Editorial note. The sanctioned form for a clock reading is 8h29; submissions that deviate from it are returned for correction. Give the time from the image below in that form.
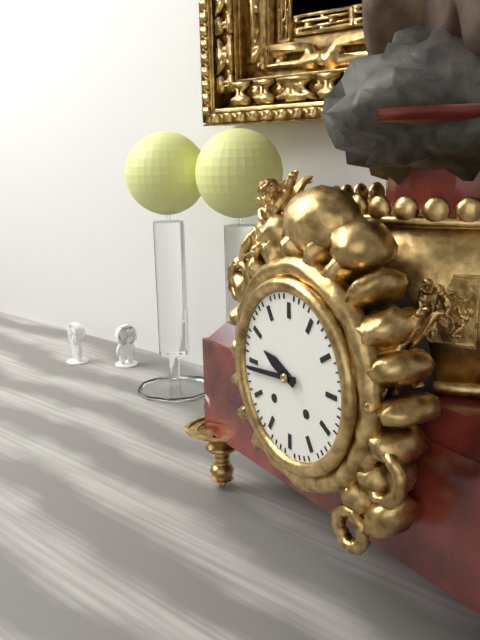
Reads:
9h44
